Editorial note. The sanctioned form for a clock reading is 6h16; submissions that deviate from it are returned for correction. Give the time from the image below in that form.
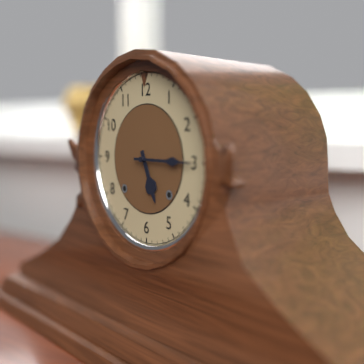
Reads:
5h15
